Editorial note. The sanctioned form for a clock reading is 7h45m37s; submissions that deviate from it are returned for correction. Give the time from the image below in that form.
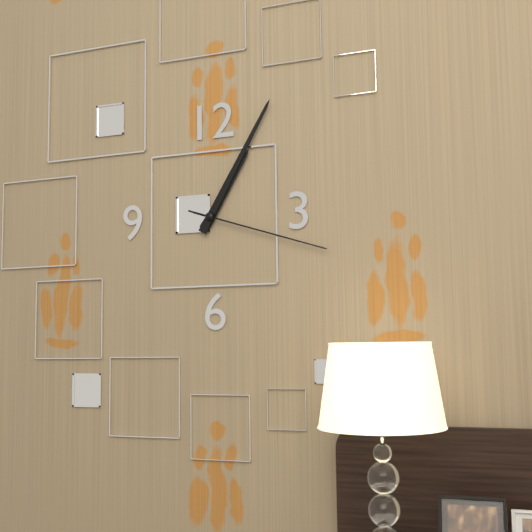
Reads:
1h05m18s
